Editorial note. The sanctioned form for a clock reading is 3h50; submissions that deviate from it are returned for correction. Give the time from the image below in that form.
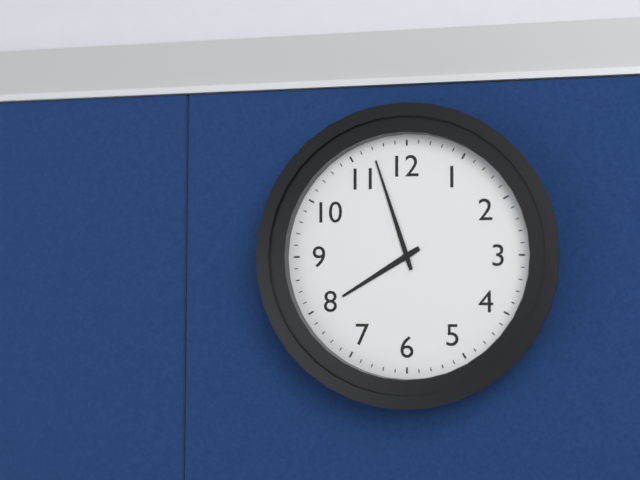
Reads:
7h57
